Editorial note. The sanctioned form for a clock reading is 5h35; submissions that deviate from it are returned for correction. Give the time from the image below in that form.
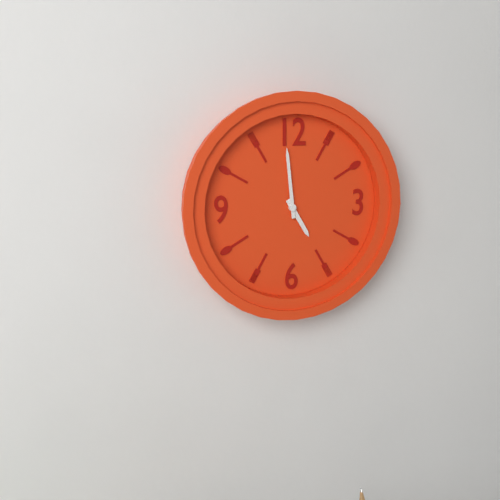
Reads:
4h59
